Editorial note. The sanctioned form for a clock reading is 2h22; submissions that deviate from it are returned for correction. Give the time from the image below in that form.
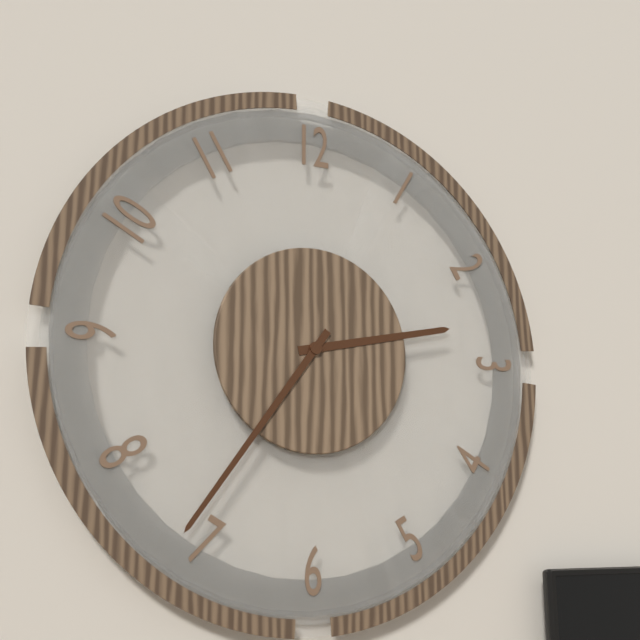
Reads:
2h36
